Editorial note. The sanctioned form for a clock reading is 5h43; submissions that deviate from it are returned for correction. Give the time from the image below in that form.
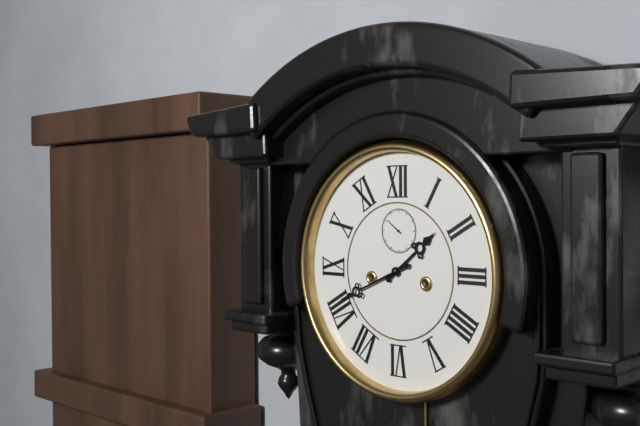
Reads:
1h41
